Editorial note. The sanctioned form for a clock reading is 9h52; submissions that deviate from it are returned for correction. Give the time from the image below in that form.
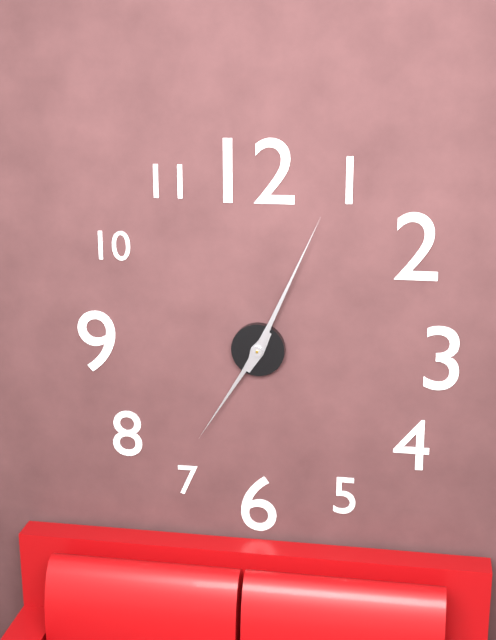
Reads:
7h04
